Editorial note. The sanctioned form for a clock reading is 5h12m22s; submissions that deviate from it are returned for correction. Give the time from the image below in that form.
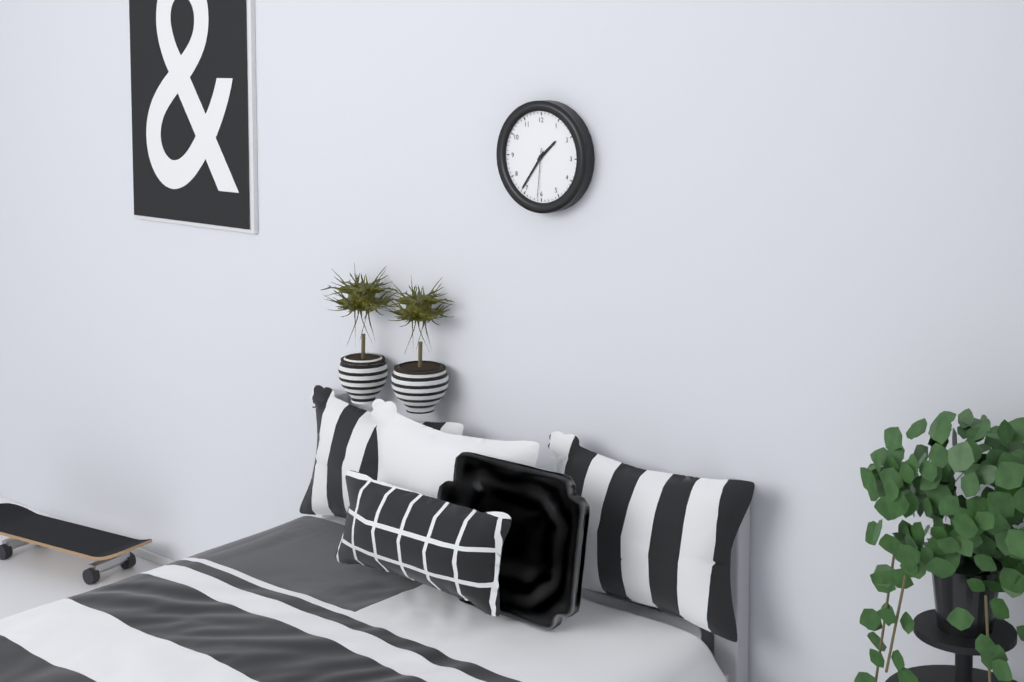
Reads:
1h36m31s
